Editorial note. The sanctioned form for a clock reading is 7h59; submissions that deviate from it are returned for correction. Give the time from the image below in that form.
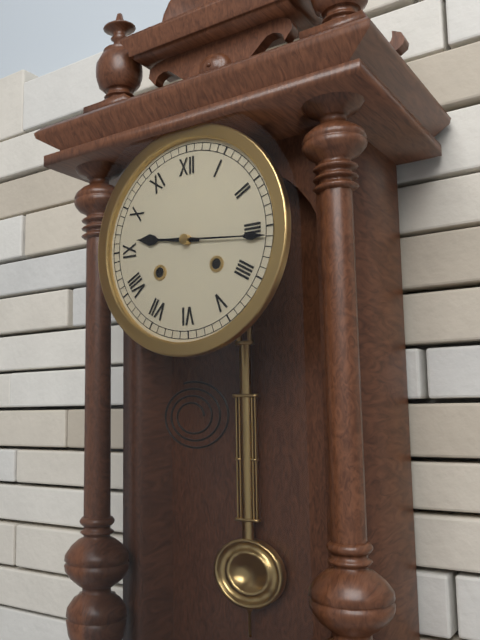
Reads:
9h16
